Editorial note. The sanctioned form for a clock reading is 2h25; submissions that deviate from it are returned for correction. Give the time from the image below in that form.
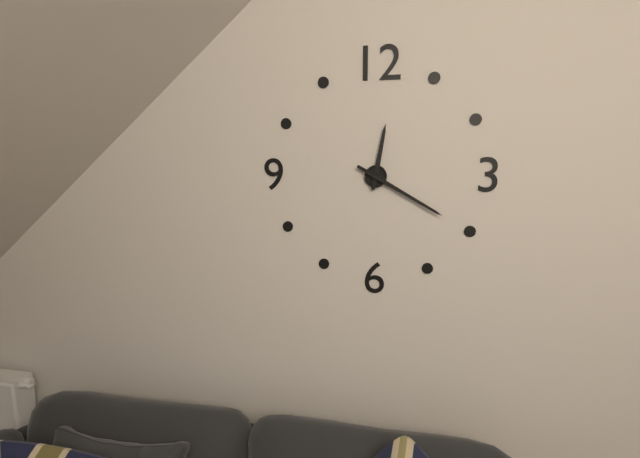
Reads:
12h20
